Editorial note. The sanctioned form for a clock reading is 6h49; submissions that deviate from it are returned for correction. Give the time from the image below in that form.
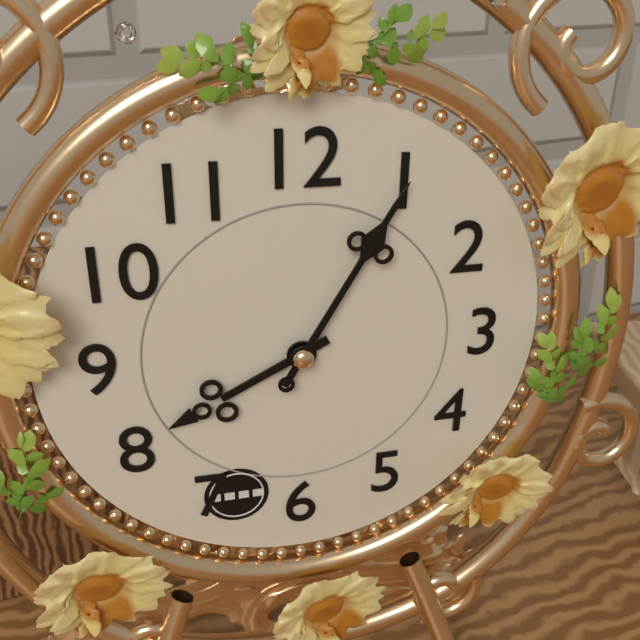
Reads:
8h05
